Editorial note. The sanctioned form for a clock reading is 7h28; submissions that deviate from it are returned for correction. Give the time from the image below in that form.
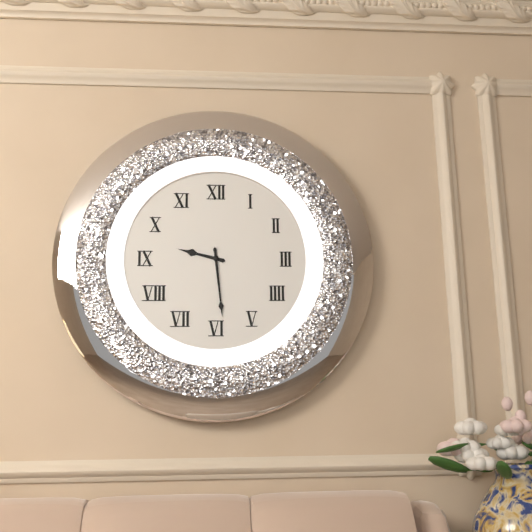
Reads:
9h29
